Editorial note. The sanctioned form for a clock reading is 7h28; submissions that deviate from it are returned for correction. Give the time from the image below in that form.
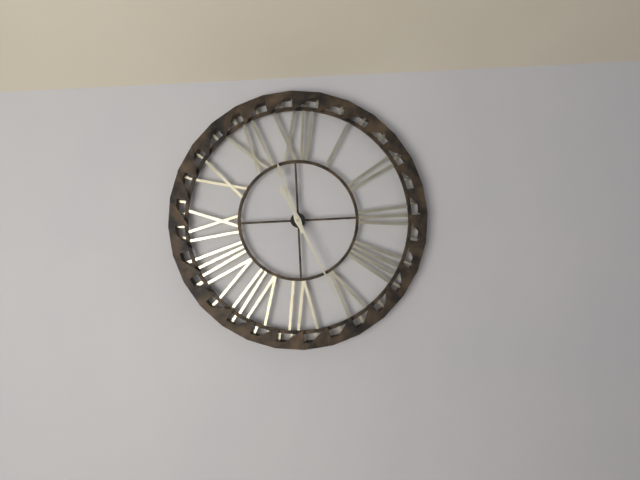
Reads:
11h26
